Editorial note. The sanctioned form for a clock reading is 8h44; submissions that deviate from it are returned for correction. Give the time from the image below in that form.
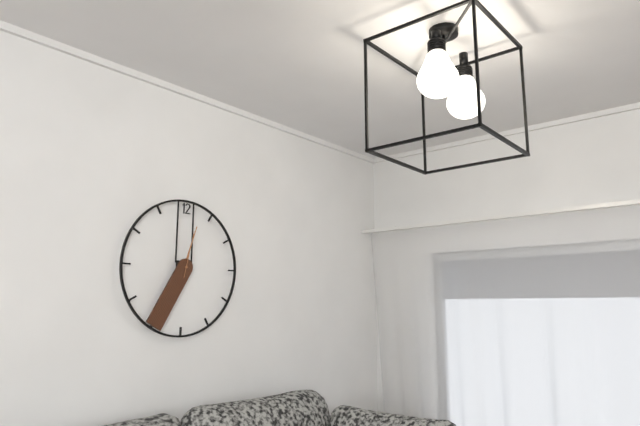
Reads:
12h35
